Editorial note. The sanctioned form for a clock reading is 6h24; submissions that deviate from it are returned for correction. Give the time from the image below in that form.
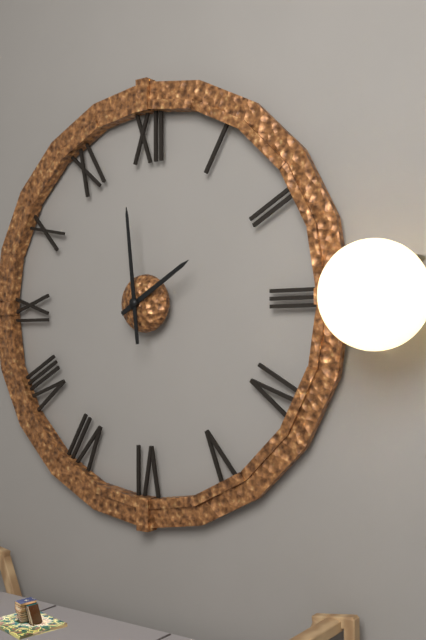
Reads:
1h59
